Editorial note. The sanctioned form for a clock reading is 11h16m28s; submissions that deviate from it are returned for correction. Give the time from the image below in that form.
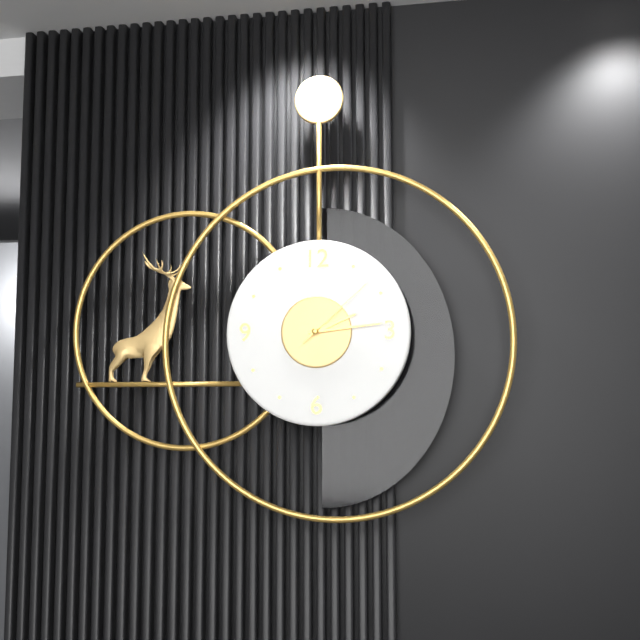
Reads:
2h14m08s
